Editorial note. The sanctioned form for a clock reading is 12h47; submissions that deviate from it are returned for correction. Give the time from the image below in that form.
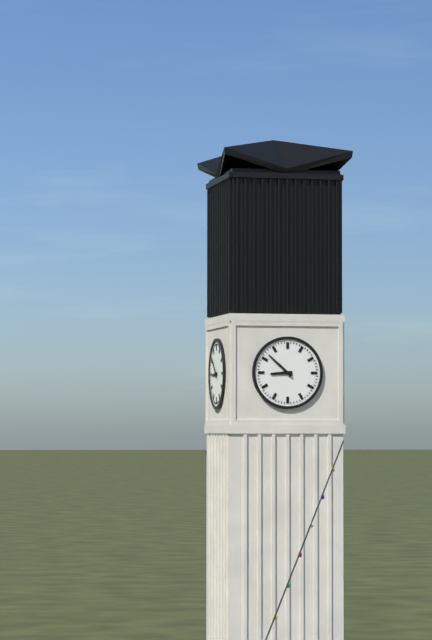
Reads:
8h52
